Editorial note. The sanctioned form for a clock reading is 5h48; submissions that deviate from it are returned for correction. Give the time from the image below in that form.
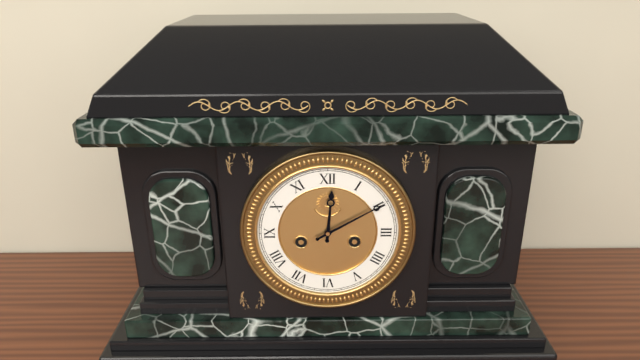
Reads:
12h10
